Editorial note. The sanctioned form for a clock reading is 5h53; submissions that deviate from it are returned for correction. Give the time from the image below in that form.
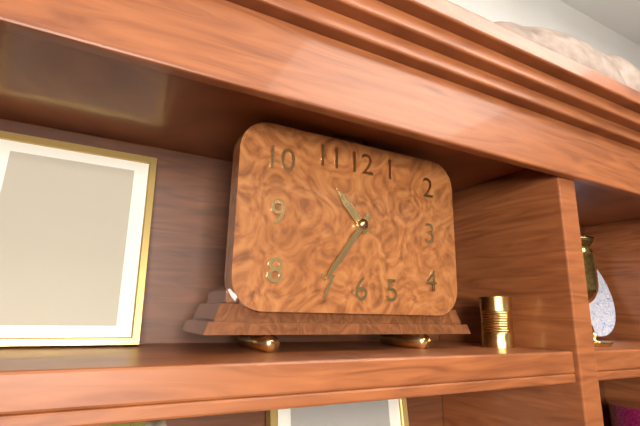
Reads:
10h36
